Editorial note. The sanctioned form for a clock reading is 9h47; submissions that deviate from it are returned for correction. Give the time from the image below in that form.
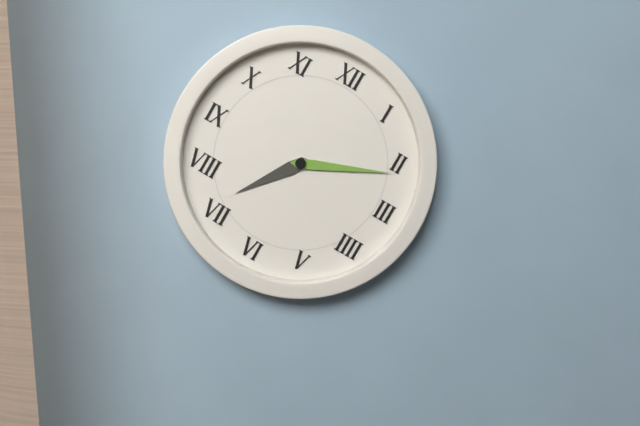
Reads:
7h11
